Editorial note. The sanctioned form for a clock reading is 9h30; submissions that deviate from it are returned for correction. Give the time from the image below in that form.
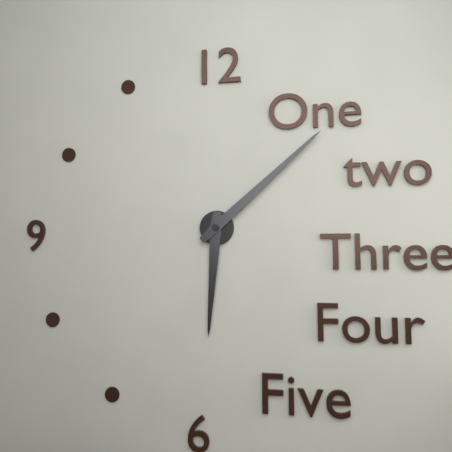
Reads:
6h08
